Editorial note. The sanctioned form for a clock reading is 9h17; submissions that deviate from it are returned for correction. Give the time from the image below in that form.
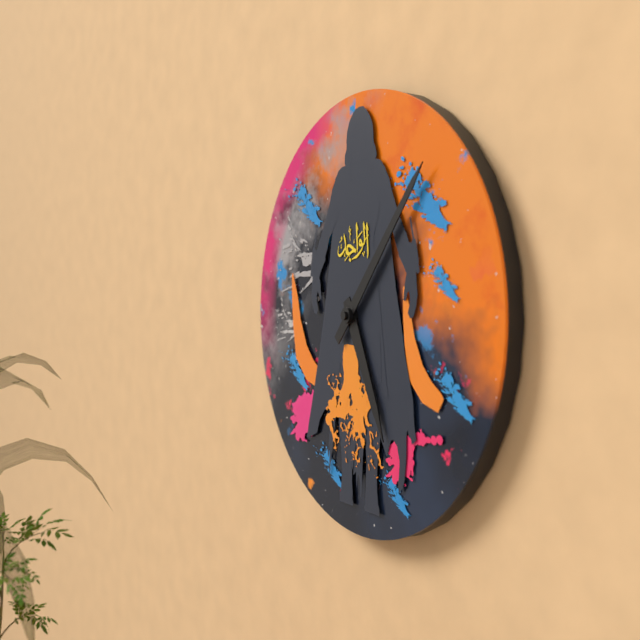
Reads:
5h07
